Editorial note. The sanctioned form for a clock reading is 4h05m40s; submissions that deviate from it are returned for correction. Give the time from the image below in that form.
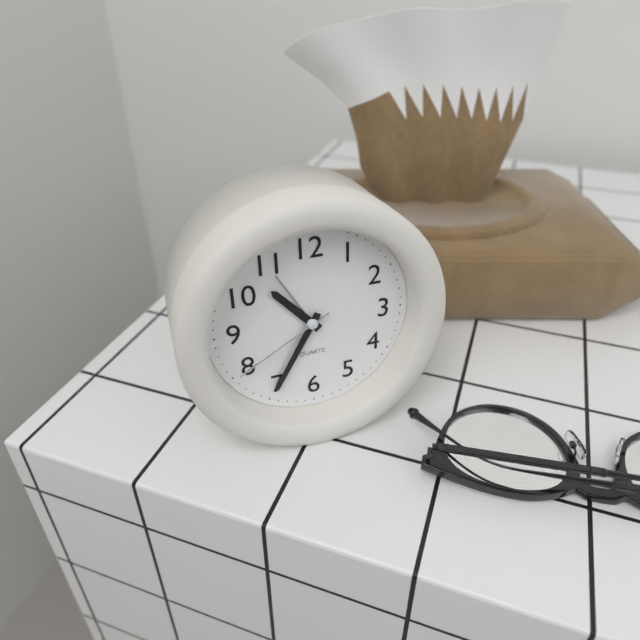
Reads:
10h35m40s
